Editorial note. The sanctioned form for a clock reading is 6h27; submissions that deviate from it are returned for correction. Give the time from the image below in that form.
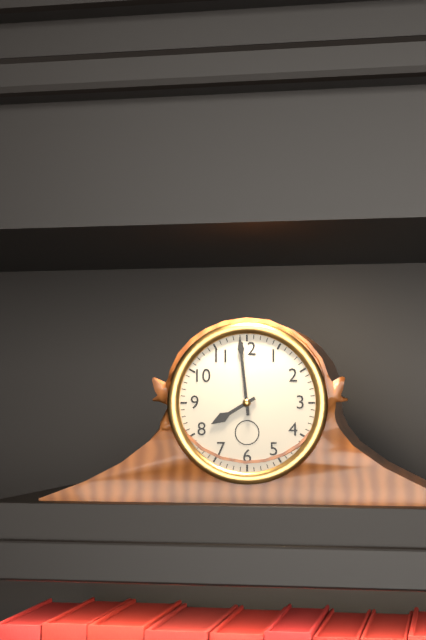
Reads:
7h59
